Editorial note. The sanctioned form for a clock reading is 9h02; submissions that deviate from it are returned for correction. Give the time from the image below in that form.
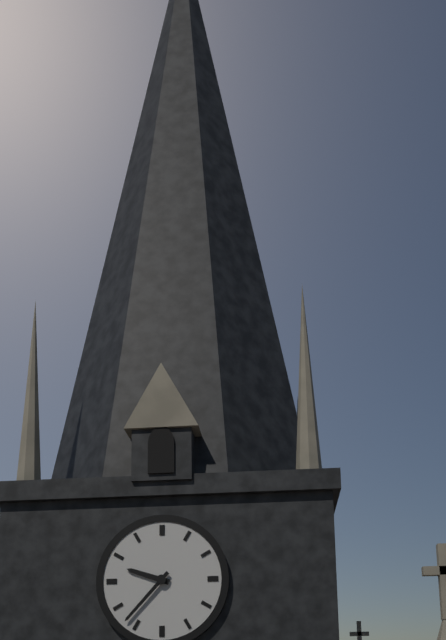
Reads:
9h37
